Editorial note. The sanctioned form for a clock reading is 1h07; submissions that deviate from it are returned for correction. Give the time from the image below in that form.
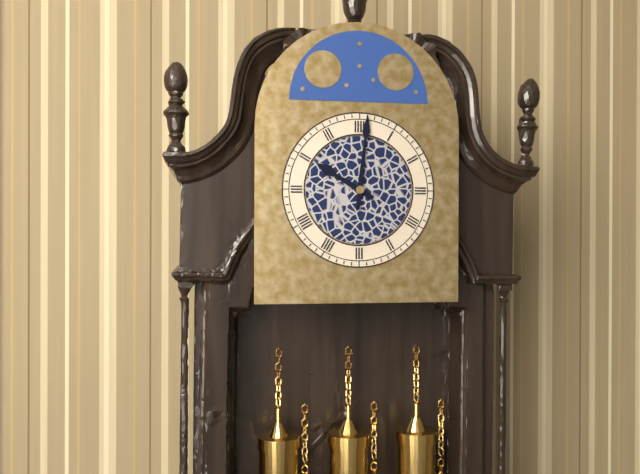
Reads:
10h01
